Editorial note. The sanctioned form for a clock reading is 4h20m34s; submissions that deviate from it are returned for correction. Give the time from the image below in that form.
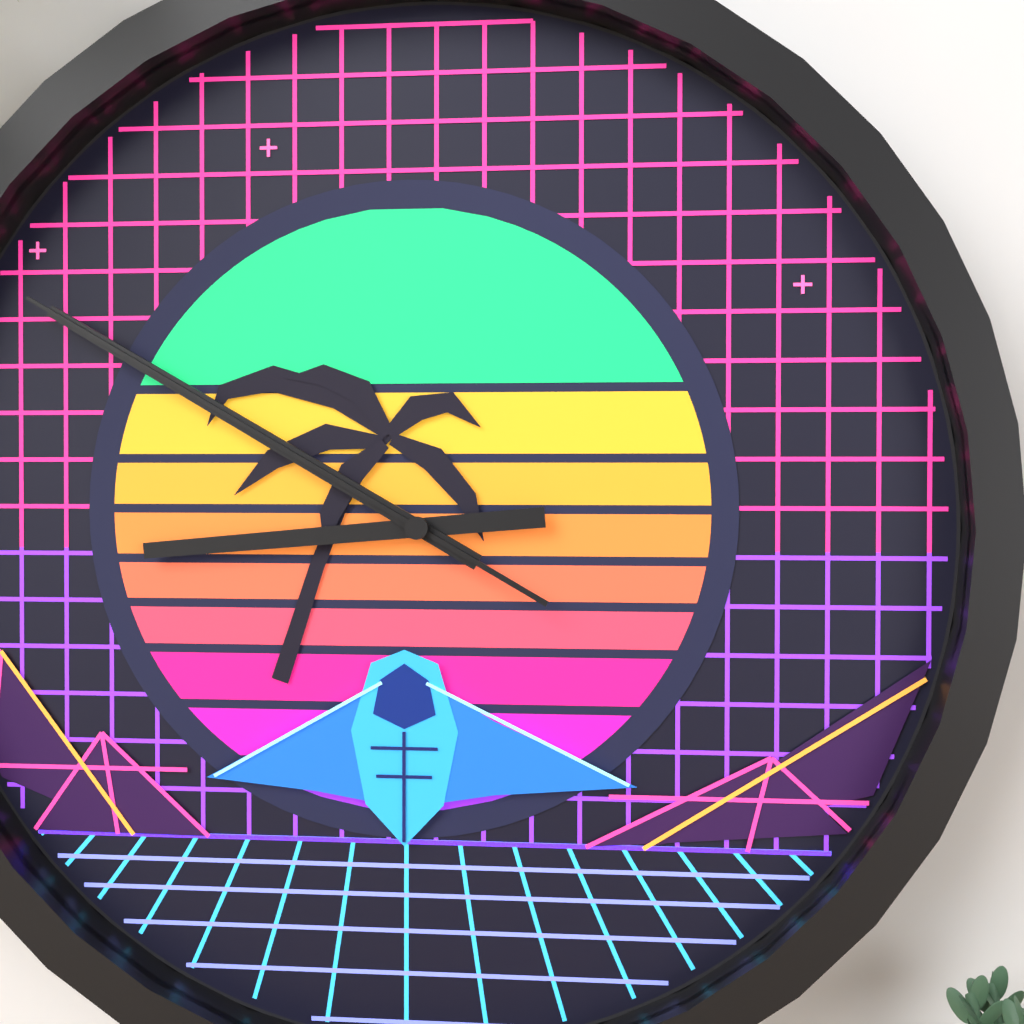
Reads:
8h50m50s
